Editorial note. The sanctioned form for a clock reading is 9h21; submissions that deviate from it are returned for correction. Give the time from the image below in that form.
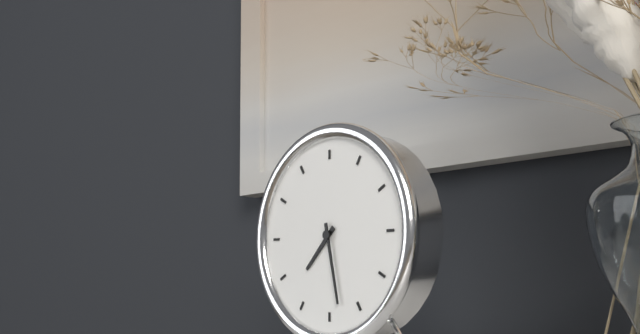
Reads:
7h28
